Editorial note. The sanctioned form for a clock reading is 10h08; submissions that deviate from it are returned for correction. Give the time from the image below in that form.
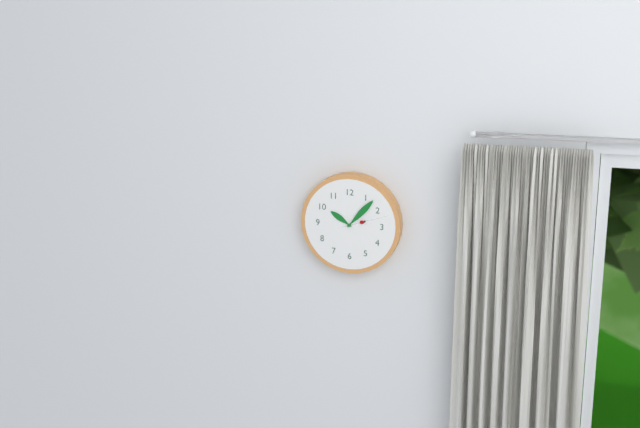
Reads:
10h07
